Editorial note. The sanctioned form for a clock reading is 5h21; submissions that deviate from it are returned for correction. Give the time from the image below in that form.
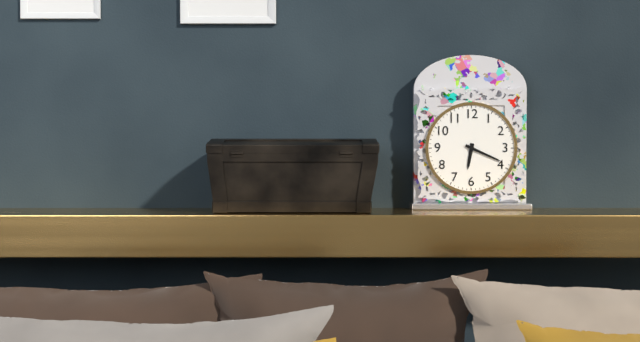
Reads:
6h19
